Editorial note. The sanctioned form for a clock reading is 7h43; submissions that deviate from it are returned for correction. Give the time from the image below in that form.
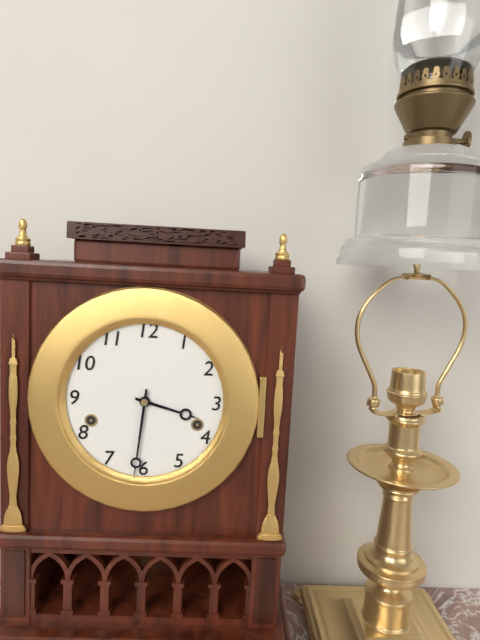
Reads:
3h31
